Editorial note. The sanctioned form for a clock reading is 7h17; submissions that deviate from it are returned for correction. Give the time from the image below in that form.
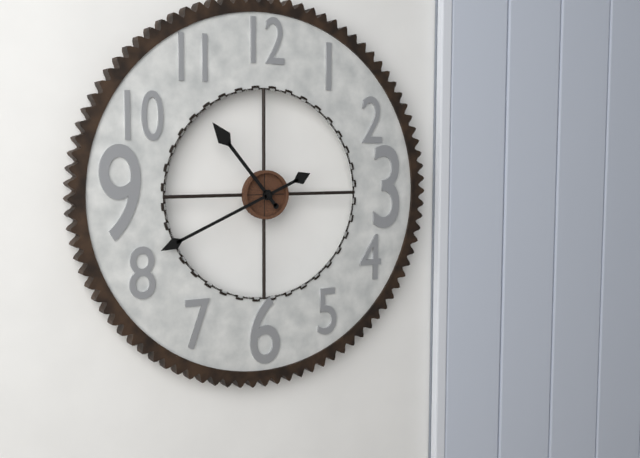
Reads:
10h41
